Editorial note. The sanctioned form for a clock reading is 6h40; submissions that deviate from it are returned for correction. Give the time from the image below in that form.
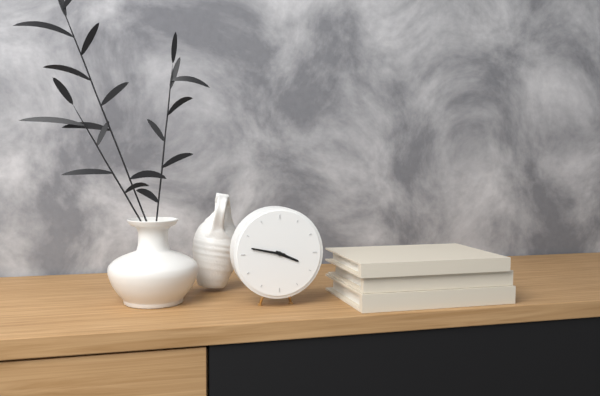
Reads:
3h47
